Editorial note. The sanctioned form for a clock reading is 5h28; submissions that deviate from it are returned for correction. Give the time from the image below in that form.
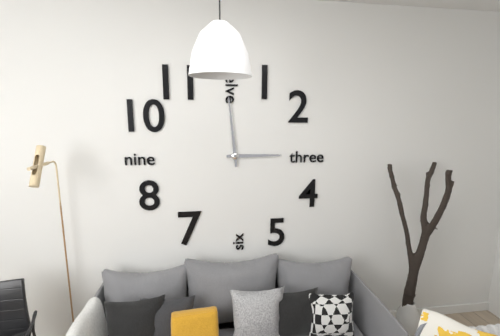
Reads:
2h59
